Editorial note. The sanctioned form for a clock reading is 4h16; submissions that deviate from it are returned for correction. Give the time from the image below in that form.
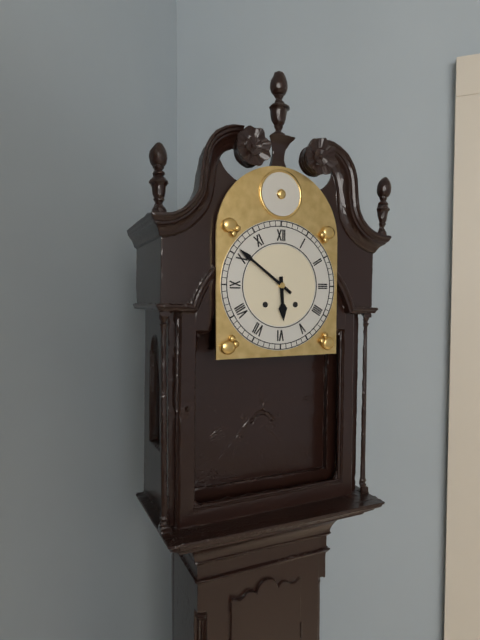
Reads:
5h51
